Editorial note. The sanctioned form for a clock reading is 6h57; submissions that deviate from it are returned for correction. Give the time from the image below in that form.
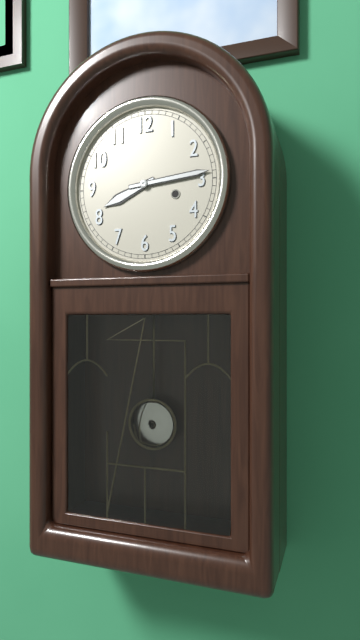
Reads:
8h14
